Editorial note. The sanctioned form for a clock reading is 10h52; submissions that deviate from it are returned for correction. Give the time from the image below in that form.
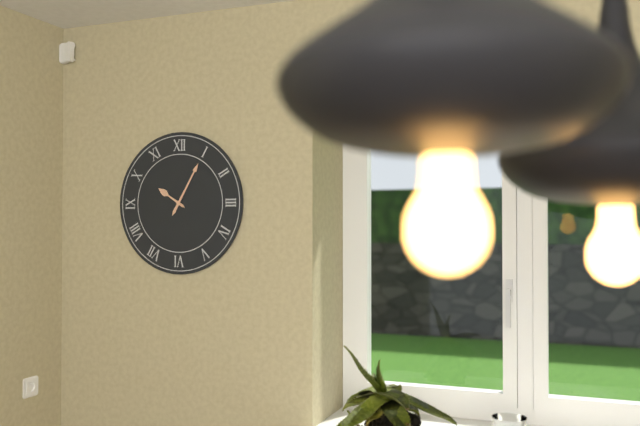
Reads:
10h05
